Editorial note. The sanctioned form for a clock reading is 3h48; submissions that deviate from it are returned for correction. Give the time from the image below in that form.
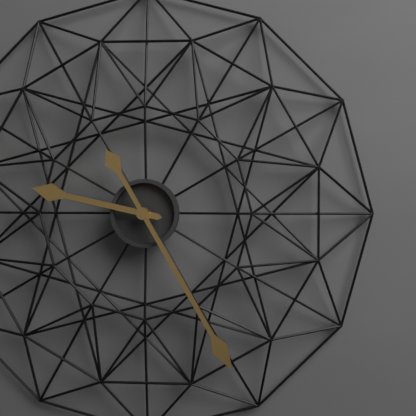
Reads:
9h25
